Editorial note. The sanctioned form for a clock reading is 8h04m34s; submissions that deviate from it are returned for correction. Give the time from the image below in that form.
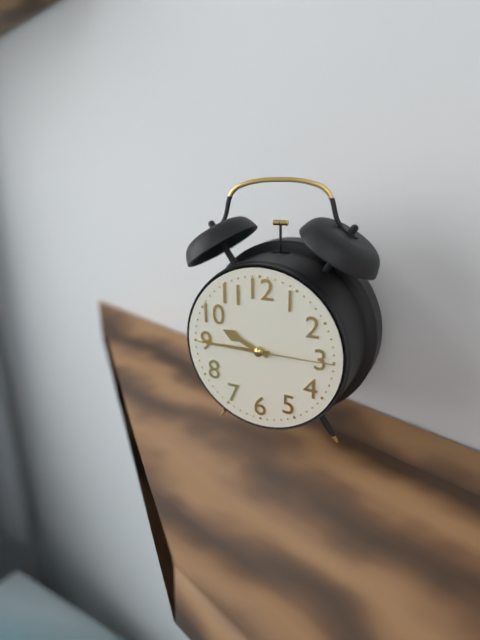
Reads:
9h45m15s
